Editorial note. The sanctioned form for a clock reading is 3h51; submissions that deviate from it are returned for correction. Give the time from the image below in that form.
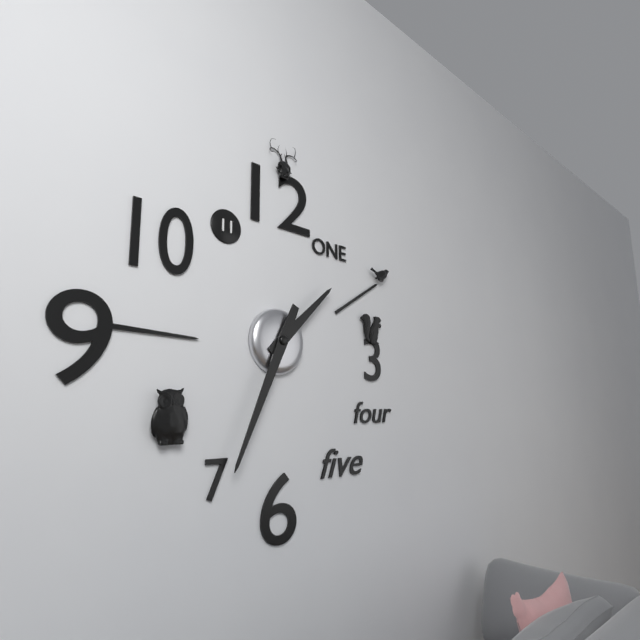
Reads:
1h34
